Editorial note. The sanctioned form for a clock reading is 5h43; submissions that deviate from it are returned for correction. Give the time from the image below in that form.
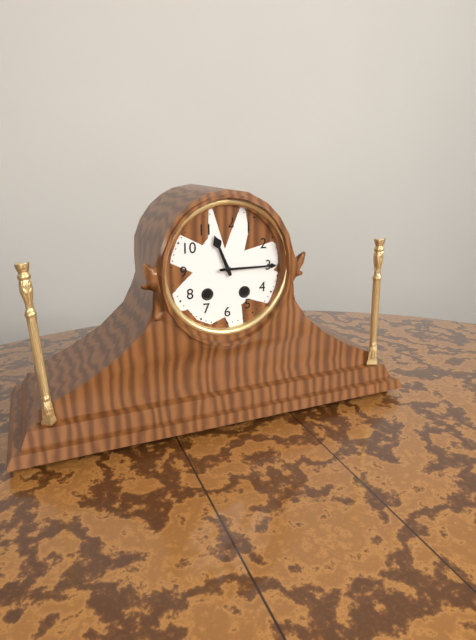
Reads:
11h15
